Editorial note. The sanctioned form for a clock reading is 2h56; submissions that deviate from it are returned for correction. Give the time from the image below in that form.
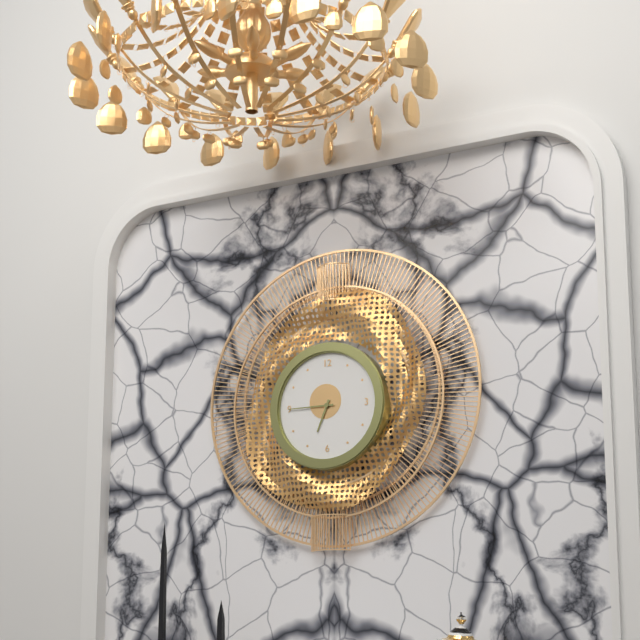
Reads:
6h45
